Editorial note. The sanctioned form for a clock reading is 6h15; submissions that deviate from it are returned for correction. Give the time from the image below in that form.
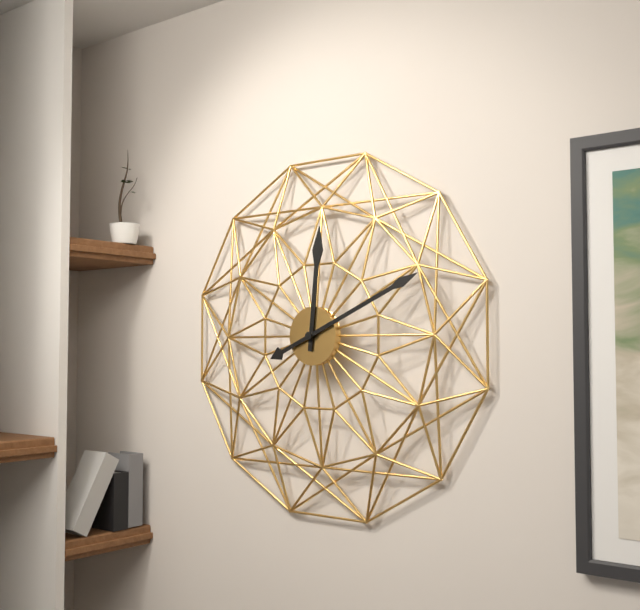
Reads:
12h11
